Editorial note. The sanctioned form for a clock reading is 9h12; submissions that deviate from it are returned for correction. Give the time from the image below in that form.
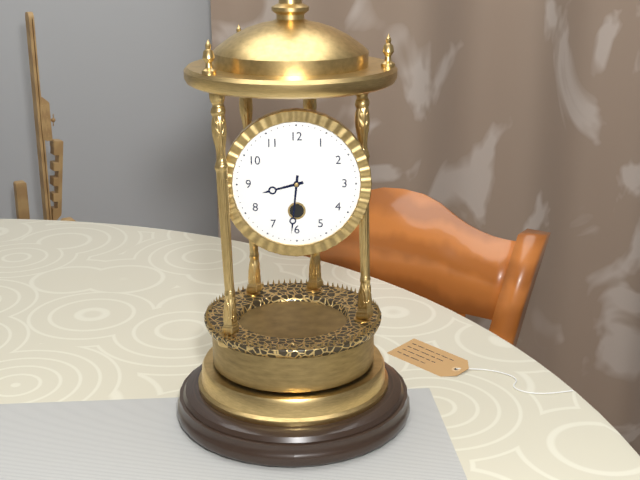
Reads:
8h31
